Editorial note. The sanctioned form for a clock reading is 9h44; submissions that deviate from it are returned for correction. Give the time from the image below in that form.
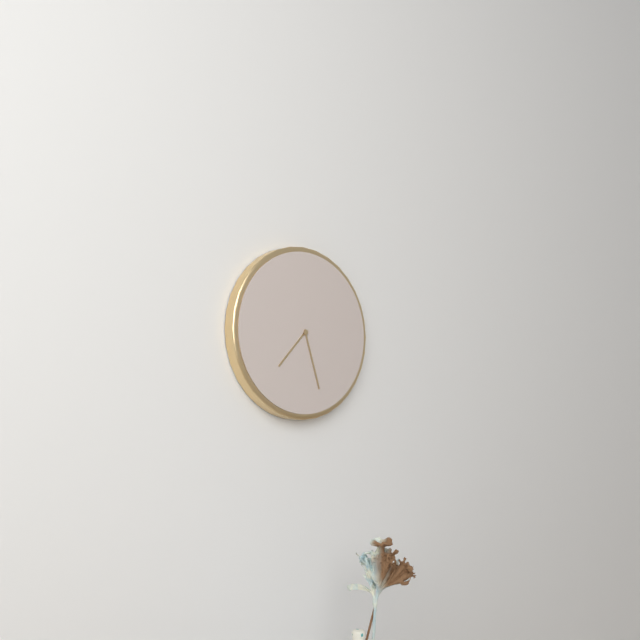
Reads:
7h27
